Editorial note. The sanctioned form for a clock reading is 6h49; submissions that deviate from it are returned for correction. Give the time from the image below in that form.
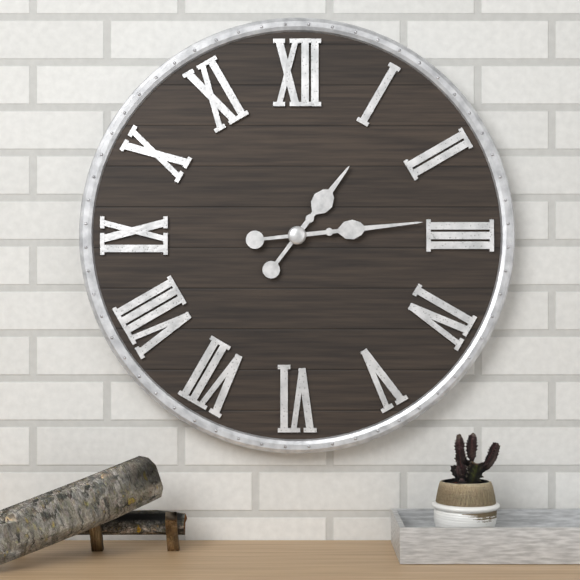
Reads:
1h14
